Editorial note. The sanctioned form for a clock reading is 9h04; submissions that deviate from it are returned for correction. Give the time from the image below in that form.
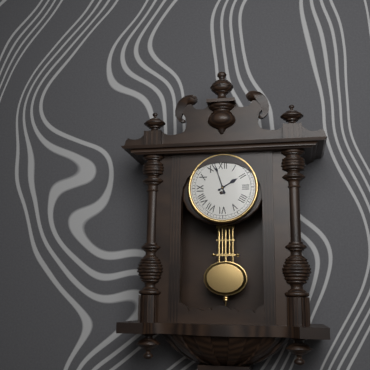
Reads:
1h57
